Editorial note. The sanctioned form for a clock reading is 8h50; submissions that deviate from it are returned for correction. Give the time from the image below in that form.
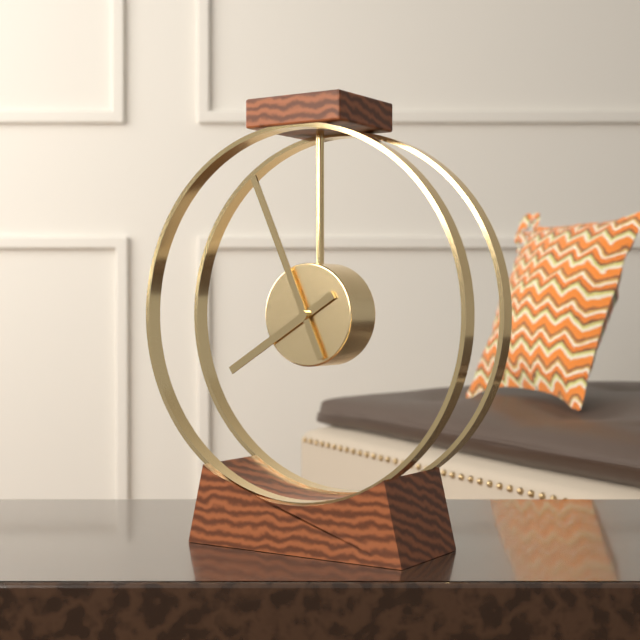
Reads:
7h56
